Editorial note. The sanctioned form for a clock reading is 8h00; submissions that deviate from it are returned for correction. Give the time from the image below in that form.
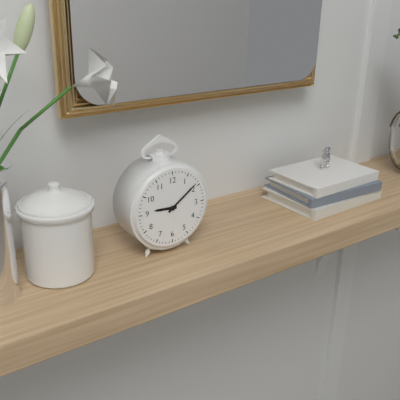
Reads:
9h09
